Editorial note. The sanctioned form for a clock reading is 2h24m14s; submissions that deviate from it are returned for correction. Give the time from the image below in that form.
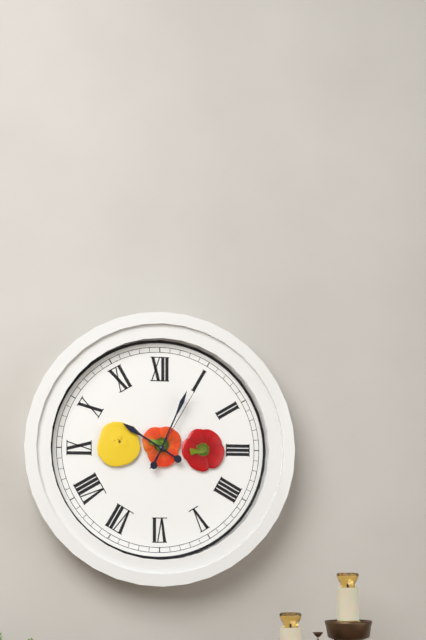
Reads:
10h04m05s
